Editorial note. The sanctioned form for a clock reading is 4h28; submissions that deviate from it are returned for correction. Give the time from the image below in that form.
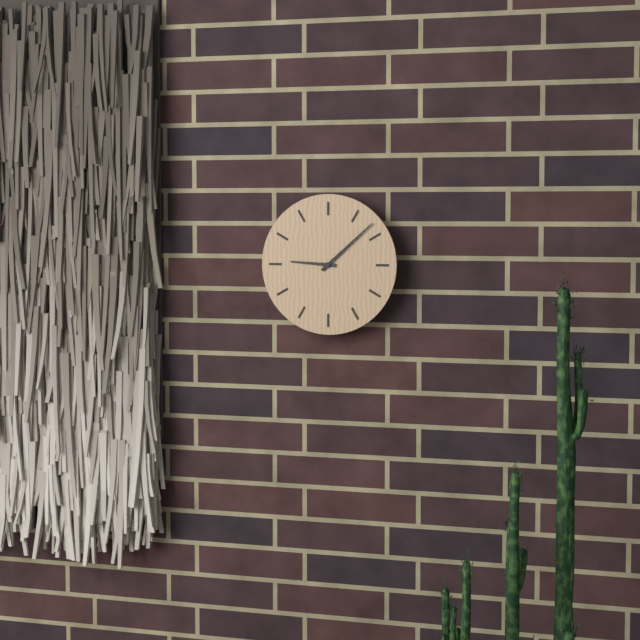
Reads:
9h08
